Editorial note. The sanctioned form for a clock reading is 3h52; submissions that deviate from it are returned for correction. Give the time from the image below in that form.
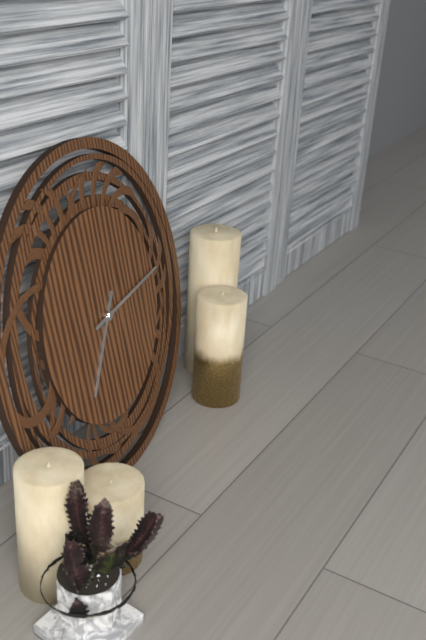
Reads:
7h14
